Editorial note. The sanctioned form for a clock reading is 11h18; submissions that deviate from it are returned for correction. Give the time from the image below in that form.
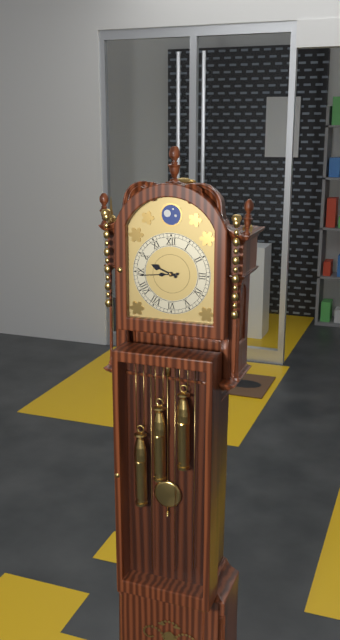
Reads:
9h44
